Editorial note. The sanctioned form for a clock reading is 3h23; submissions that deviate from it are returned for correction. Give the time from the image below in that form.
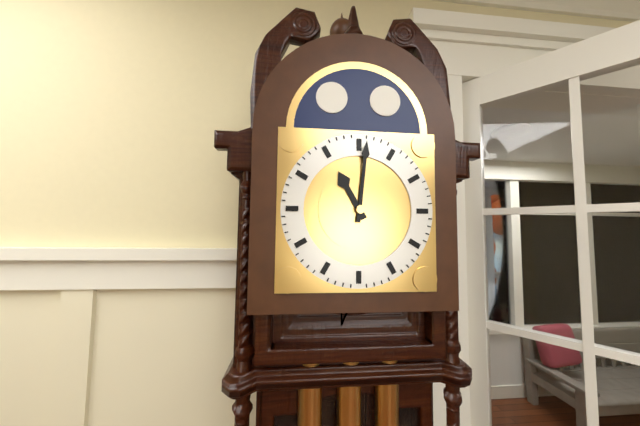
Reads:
11h01
